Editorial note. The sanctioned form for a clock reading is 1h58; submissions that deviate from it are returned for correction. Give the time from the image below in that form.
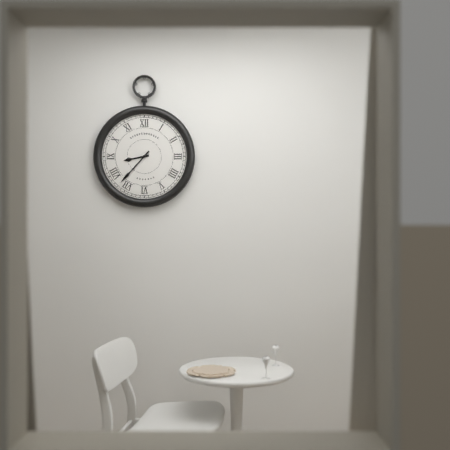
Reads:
8h37
